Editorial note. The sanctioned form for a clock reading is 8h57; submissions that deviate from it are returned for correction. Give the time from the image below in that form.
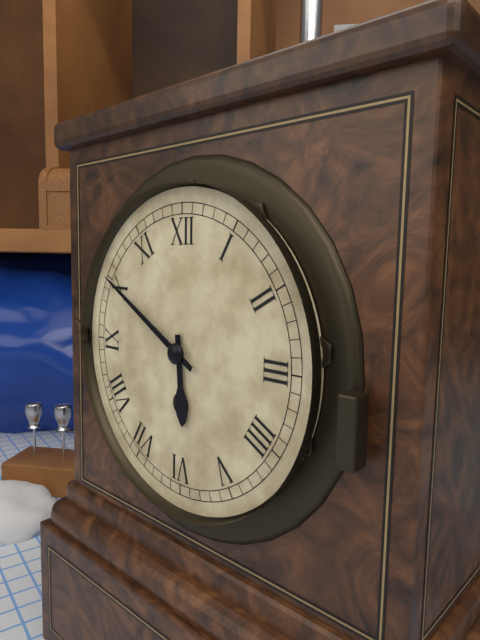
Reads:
5h50
